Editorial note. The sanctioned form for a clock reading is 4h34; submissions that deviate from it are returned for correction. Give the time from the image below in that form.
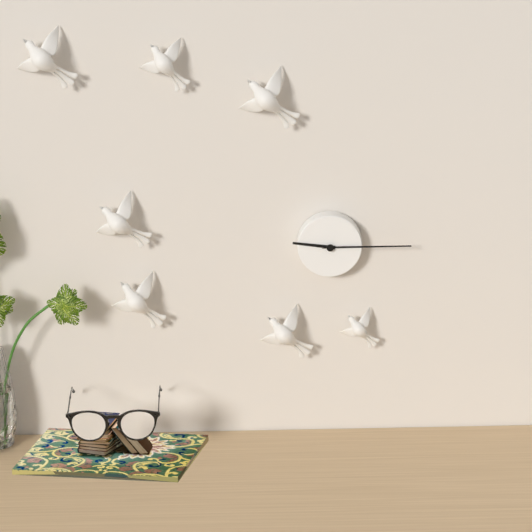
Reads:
9h15
